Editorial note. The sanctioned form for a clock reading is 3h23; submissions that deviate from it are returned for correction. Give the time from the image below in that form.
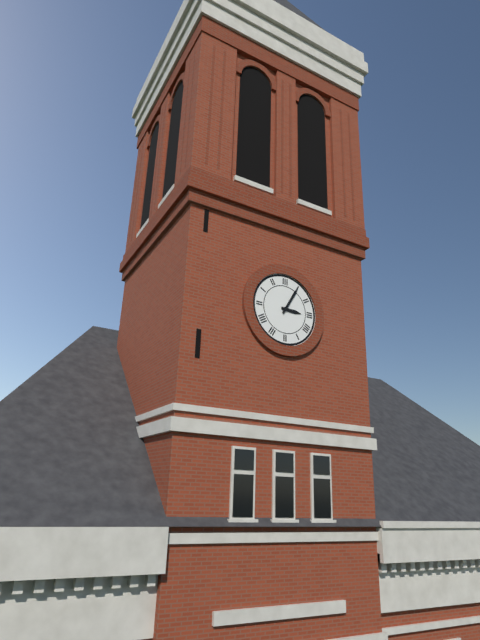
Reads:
3h05
